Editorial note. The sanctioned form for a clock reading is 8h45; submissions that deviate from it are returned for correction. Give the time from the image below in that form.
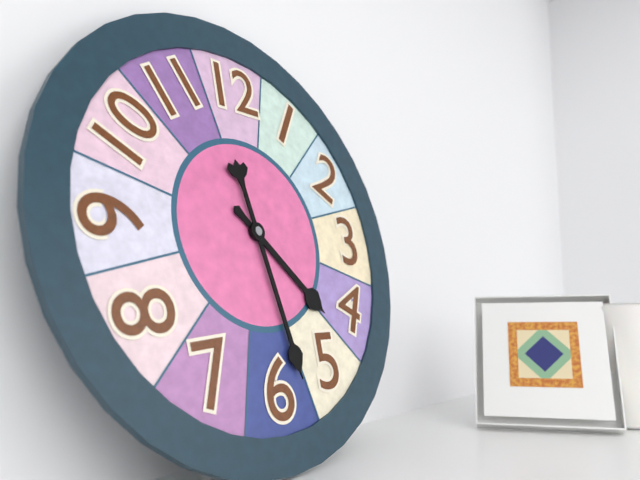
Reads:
4h28
